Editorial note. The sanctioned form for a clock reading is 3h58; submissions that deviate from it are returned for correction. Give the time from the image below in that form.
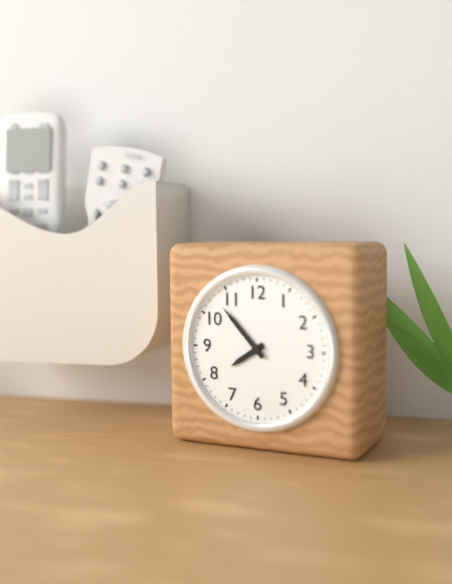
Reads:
7h53
